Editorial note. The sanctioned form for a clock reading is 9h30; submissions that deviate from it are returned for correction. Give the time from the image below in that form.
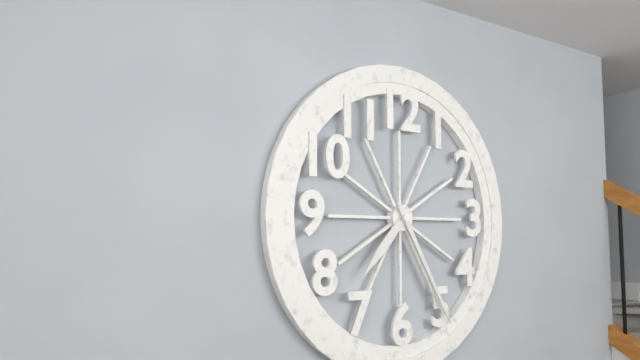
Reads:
7h25
